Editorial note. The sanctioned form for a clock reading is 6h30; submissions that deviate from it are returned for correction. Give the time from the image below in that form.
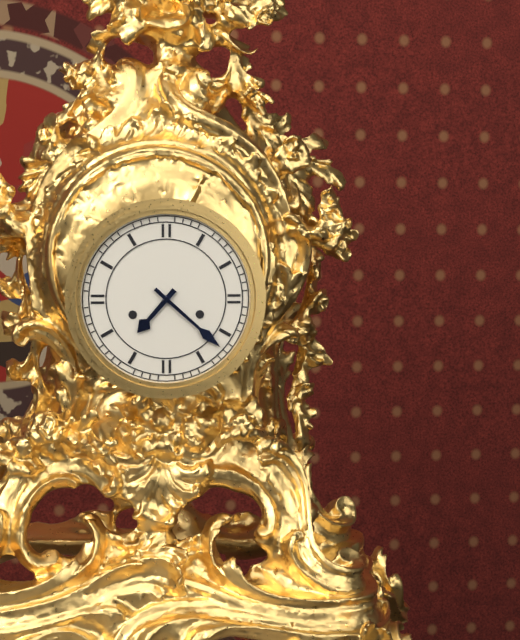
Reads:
7h22
